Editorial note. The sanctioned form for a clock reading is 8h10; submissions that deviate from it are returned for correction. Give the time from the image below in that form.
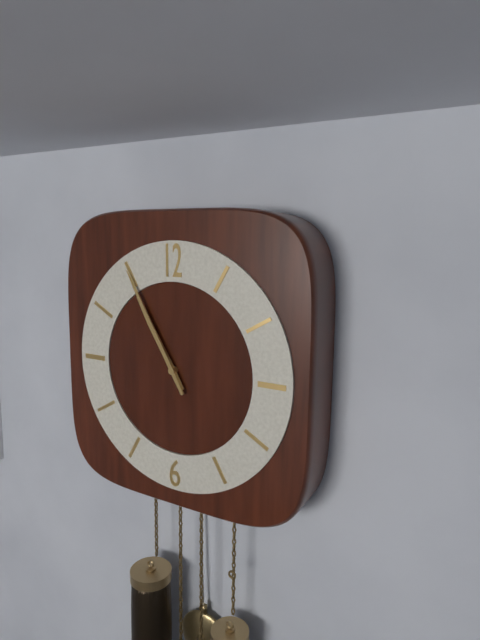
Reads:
10h55
